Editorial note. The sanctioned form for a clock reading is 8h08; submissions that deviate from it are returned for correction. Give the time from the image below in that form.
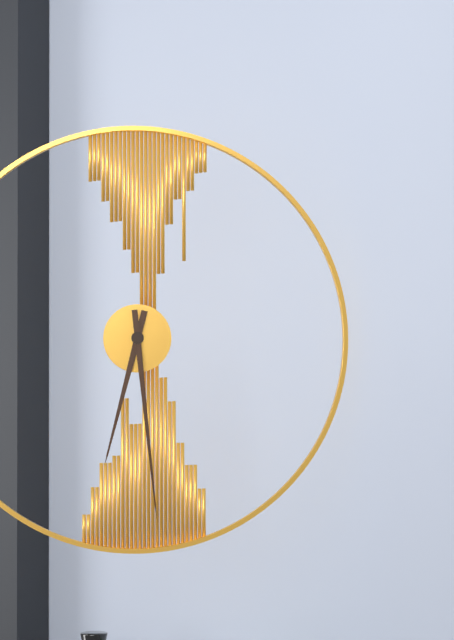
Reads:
6h29
